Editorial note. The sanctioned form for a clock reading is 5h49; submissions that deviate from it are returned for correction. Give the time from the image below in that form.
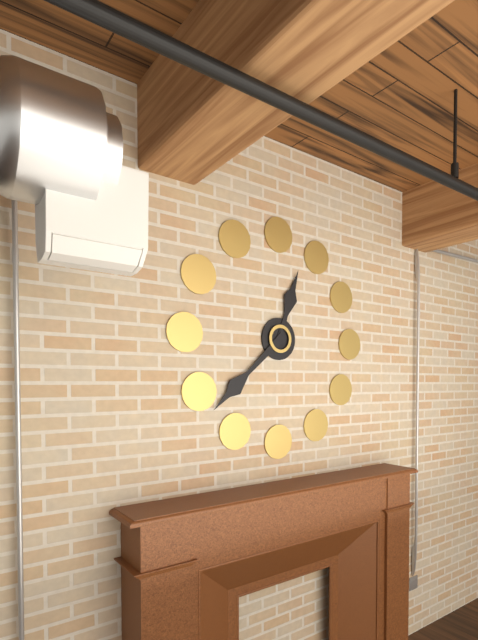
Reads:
12h38
